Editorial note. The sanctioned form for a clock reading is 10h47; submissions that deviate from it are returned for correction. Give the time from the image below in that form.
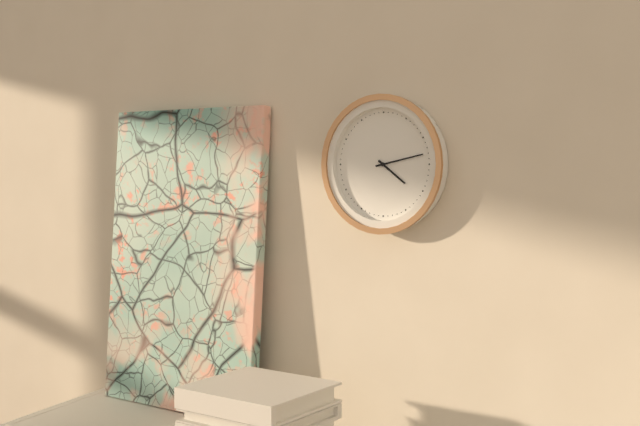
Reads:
4h13
